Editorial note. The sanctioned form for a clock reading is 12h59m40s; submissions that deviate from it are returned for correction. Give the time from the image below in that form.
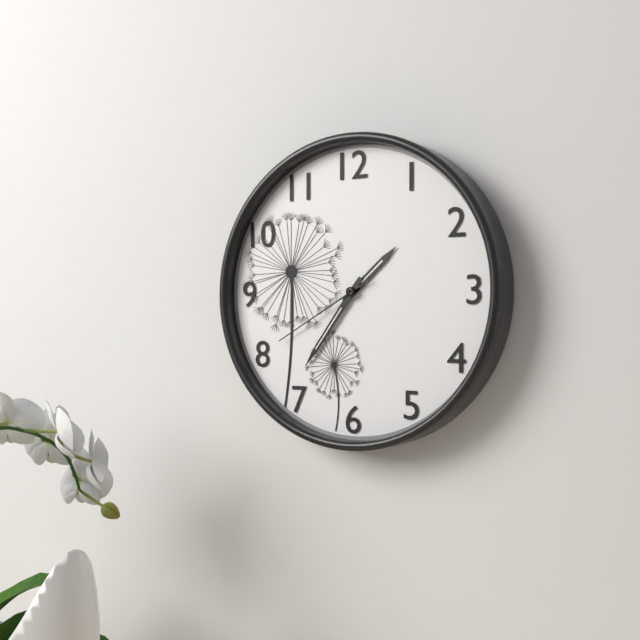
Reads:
1h36m40s
